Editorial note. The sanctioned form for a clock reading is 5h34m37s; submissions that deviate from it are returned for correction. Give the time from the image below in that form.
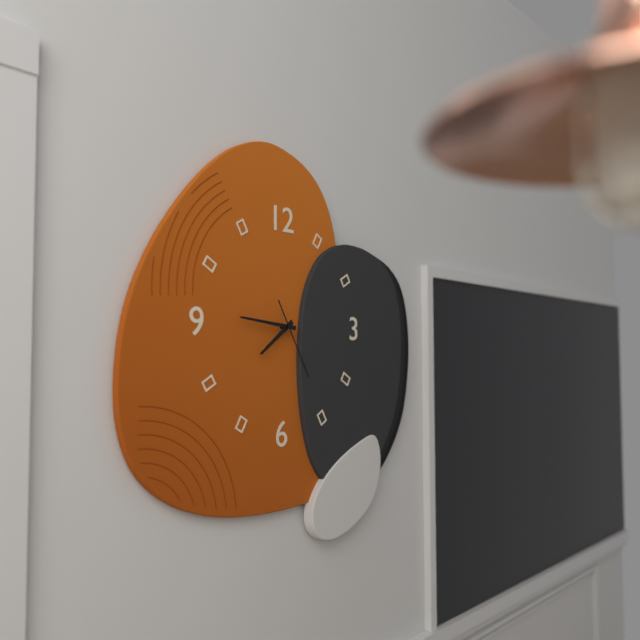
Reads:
7h46m25s
